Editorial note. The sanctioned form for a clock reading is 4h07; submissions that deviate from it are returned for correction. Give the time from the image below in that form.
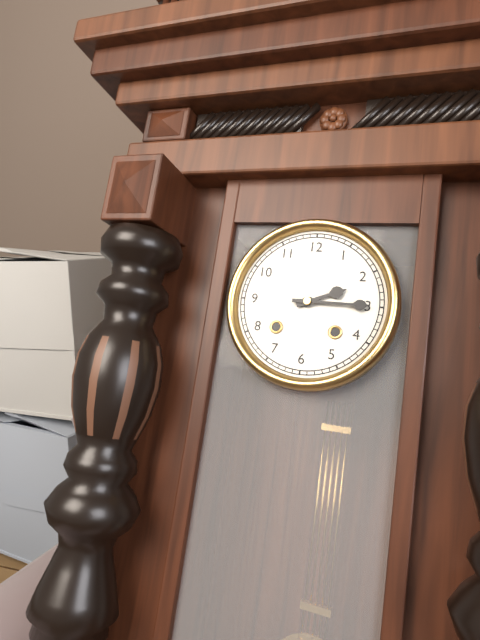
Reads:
2h15
